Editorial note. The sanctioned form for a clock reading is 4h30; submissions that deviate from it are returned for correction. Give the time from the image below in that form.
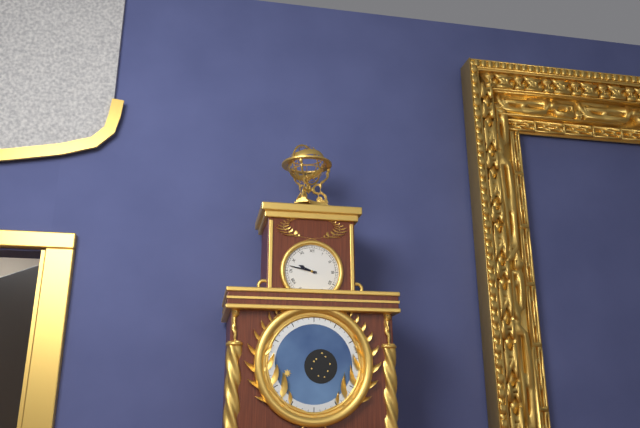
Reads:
9h47
